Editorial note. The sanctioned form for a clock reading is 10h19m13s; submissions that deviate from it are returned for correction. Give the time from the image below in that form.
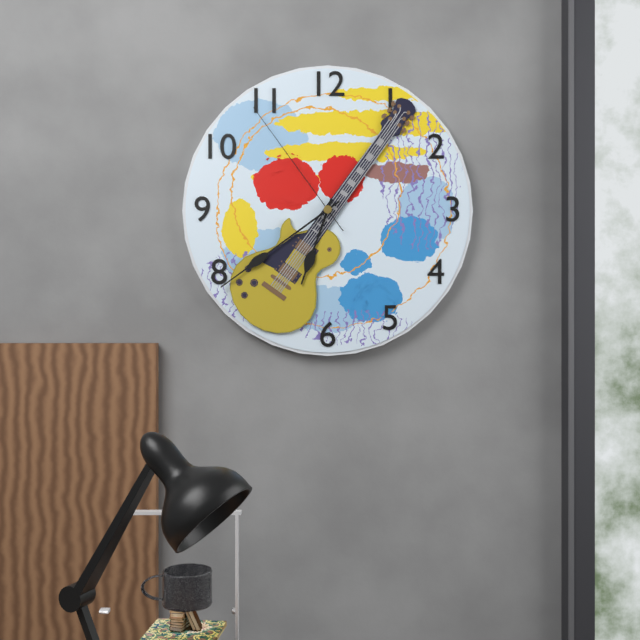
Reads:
6h39m54s
